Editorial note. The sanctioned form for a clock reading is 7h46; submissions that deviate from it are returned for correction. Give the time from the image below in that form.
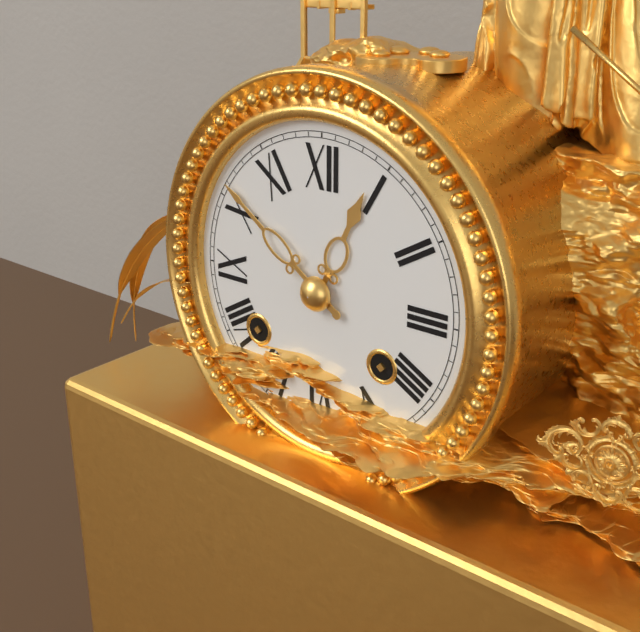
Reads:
12h51
